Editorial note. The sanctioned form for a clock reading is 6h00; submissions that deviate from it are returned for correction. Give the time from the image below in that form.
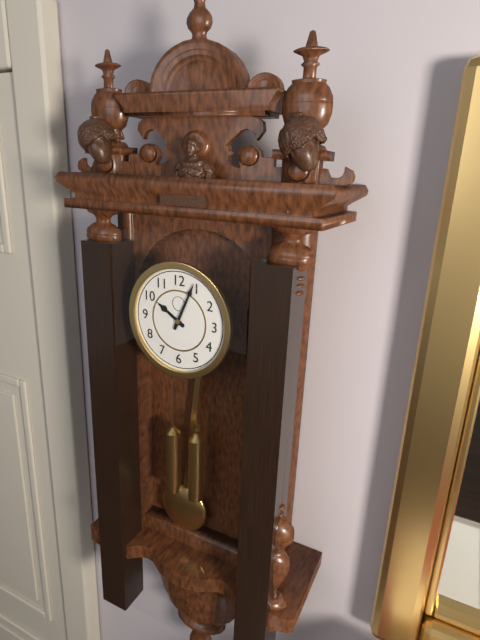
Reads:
10h04
